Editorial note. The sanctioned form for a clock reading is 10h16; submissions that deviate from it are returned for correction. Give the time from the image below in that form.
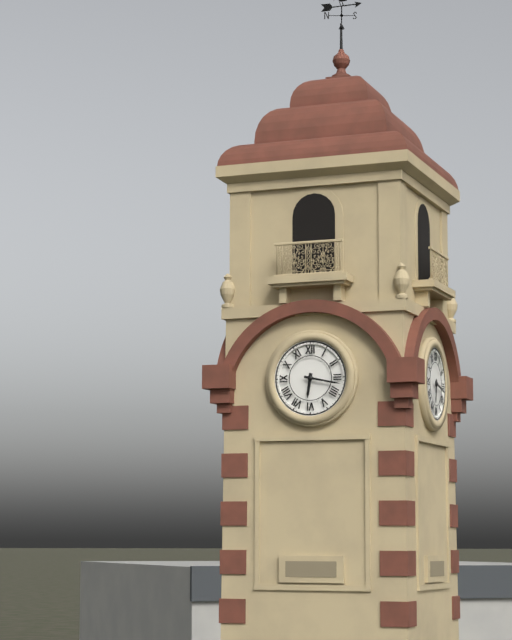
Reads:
6h17
